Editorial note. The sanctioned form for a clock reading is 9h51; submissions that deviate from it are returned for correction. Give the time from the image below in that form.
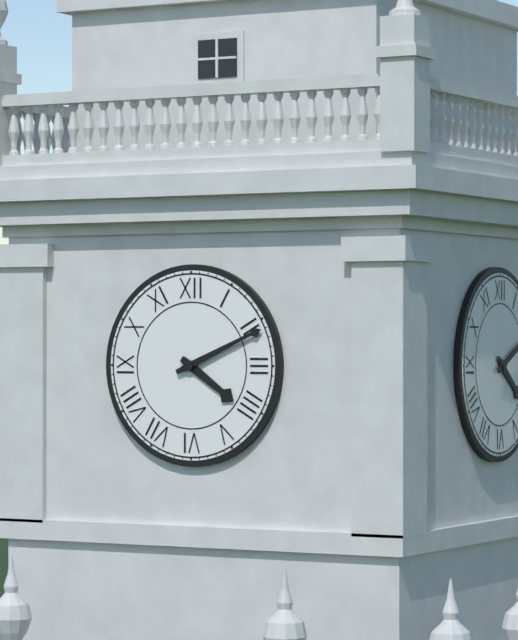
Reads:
4h11
